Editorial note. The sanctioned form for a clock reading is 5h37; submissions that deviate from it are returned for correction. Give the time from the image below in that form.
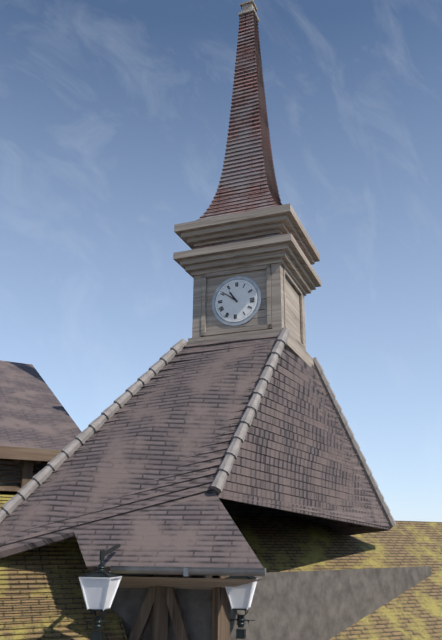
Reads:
10h51
